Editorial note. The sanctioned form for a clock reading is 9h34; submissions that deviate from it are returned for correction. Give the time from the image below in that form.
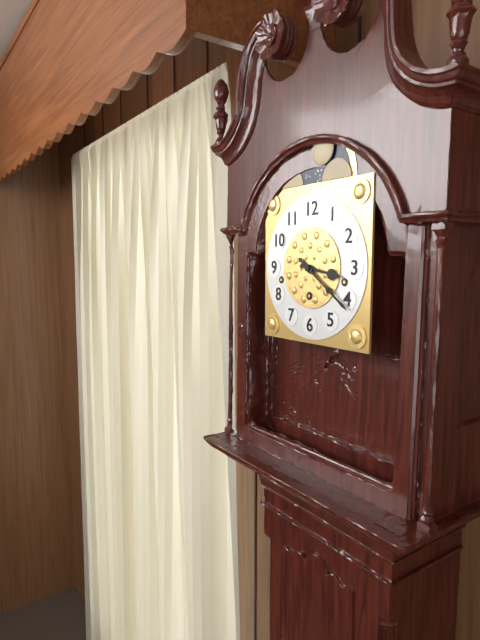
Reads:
3h21
